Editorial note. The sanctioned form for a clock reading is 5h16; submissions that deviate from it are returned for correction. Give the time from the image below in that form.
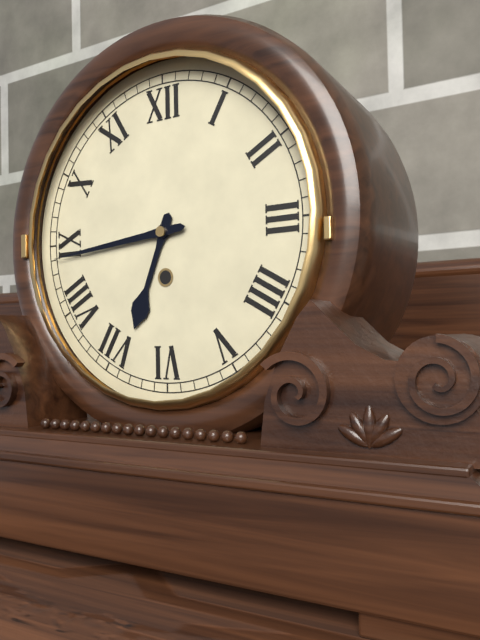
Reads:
6h44
